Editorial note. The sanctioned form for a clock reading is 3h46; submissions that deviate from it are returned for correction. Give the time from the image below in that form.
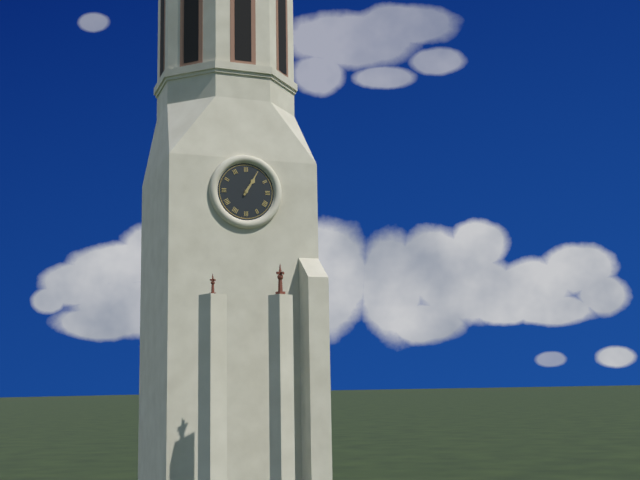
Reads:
1h05
